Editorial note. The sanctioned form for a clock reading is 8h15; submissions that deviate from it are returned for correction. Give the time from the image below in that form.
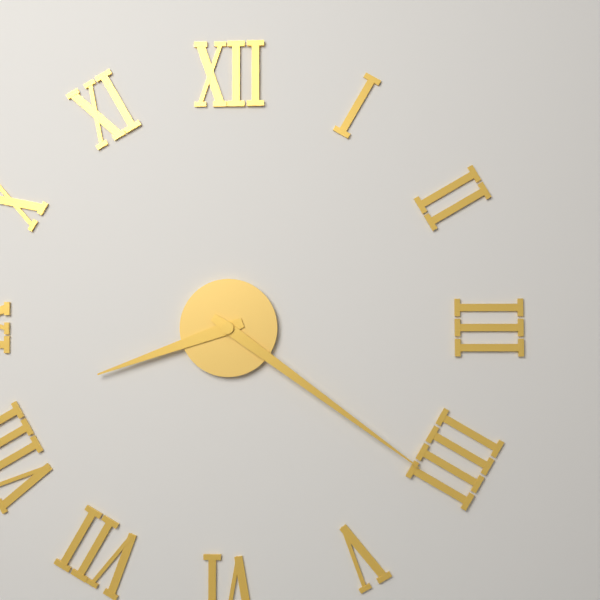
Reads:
8h21
